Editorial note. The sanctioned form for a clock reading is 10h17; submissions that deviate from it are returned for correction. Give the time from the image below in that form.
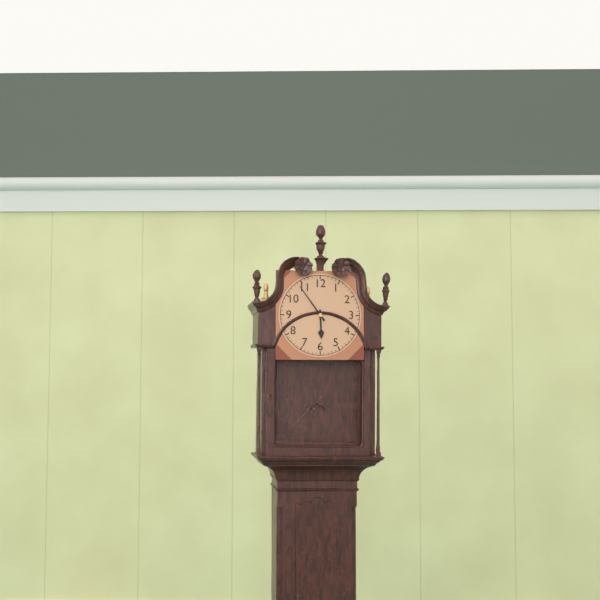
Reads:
5h54
